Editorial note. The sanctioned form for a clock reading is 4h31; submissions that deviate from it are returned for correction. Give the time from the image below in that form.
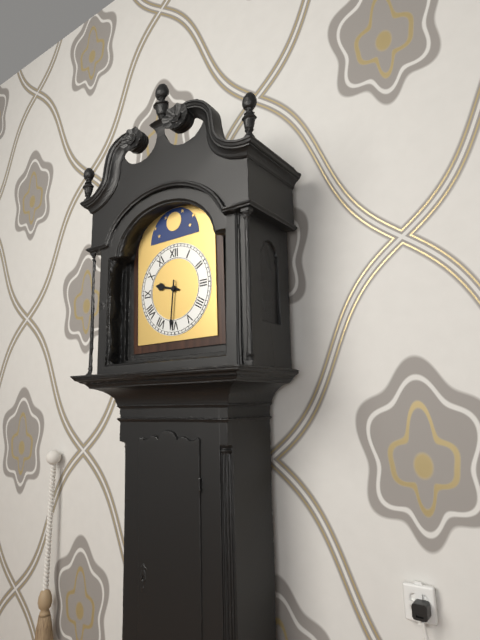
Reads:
9h31
